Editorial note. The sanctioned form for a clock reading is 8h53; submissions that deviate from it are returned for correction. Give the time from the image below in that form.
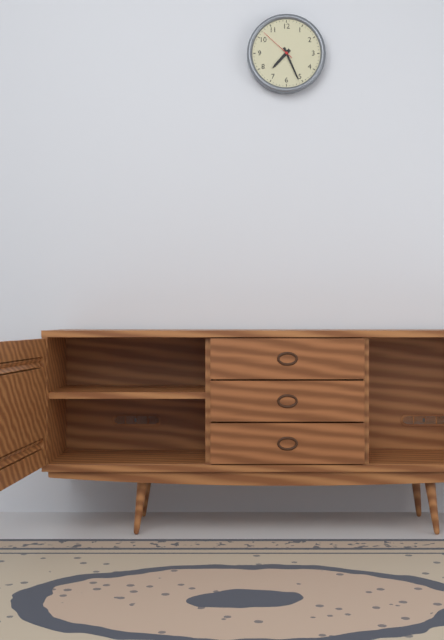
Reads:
7h26
